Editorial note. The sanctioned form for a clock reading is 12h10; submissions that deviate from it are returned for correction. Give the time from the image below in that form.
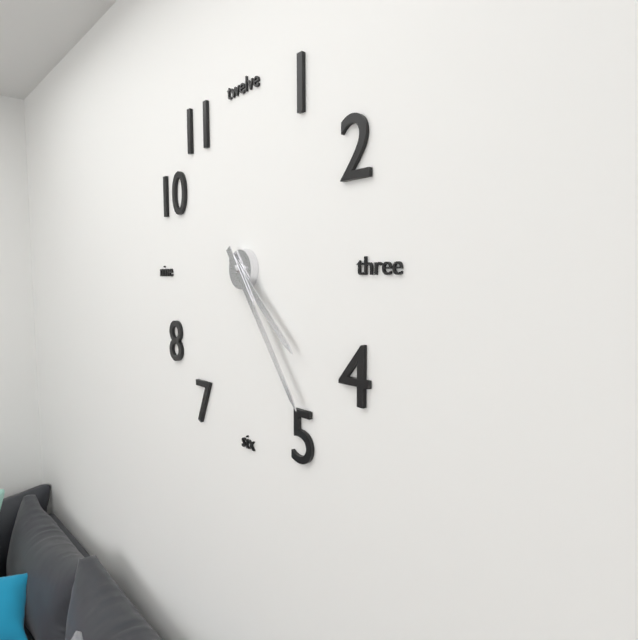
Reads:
4h24
